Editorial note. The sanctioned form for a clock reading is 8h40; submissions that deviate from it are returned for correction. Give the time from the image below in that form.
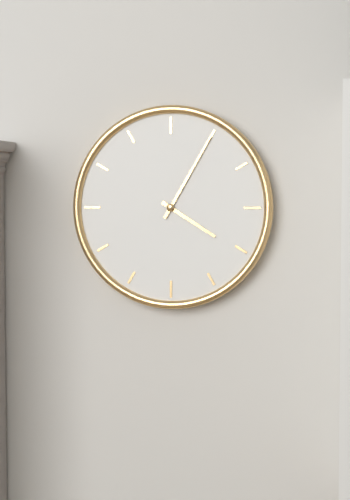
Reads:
4h05
